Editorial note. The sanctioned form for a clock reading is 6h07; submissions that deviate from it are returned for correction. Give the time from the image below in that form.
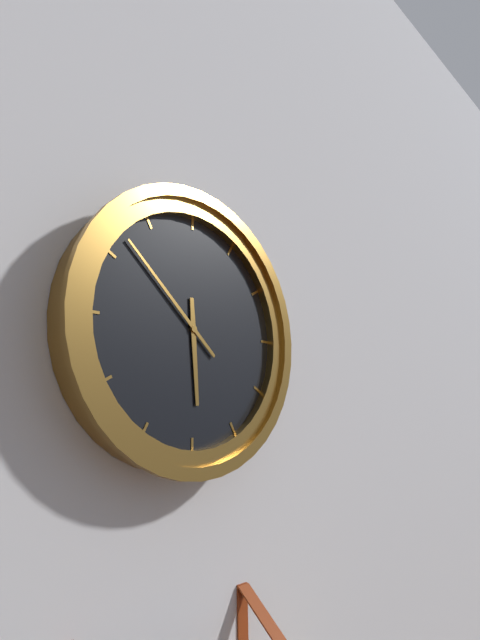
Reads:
5h52
